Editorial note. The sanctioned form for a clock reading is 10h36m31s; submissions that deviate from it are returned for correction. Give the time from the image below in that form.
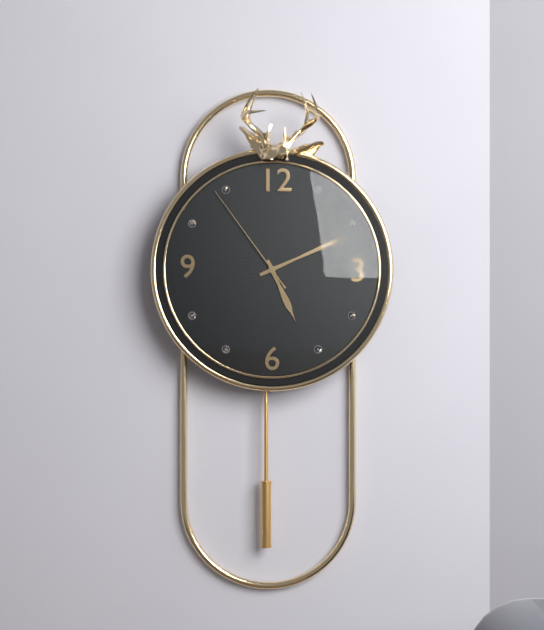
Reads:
5h11m54s
